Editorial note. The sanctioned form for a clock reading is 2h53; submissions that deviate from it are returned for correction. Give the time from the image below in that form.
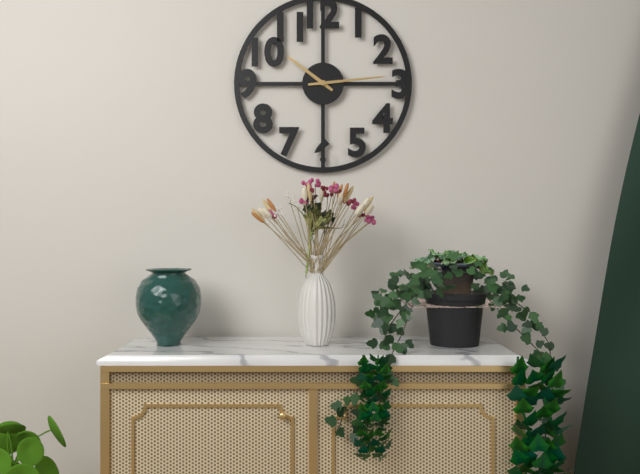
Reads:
10h14
